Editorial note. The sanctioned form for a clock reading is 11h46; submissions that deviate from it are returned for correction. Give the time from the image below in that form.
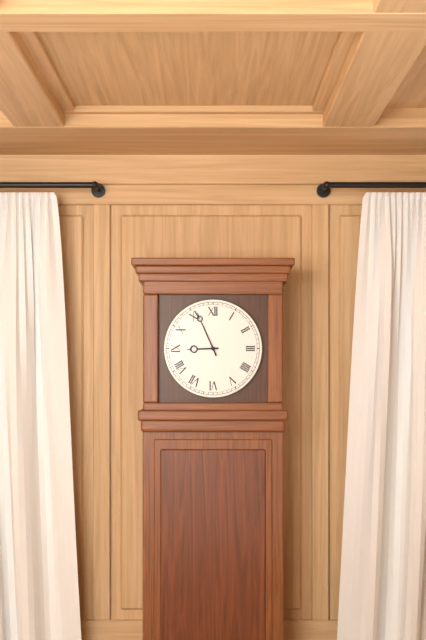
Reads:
8h56
